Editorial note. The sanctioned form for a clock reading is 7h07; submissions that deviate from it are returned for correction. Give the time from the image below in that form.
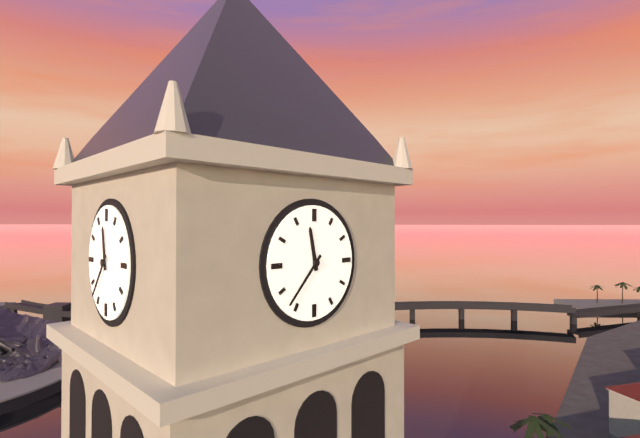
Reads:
11h37
